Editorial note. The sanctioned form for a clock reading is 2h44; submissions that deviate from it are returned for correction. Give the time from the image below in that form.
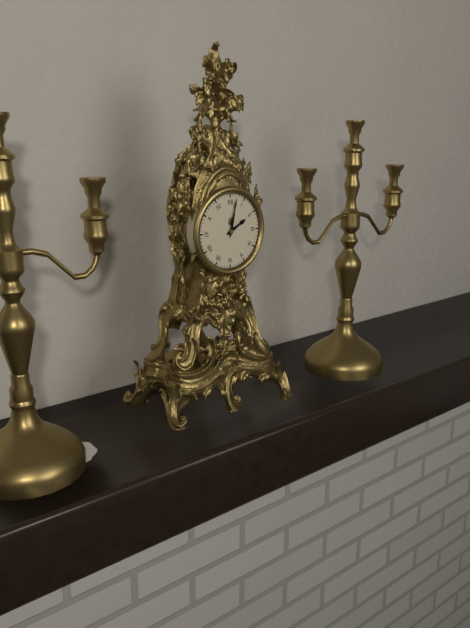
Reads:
2h02
